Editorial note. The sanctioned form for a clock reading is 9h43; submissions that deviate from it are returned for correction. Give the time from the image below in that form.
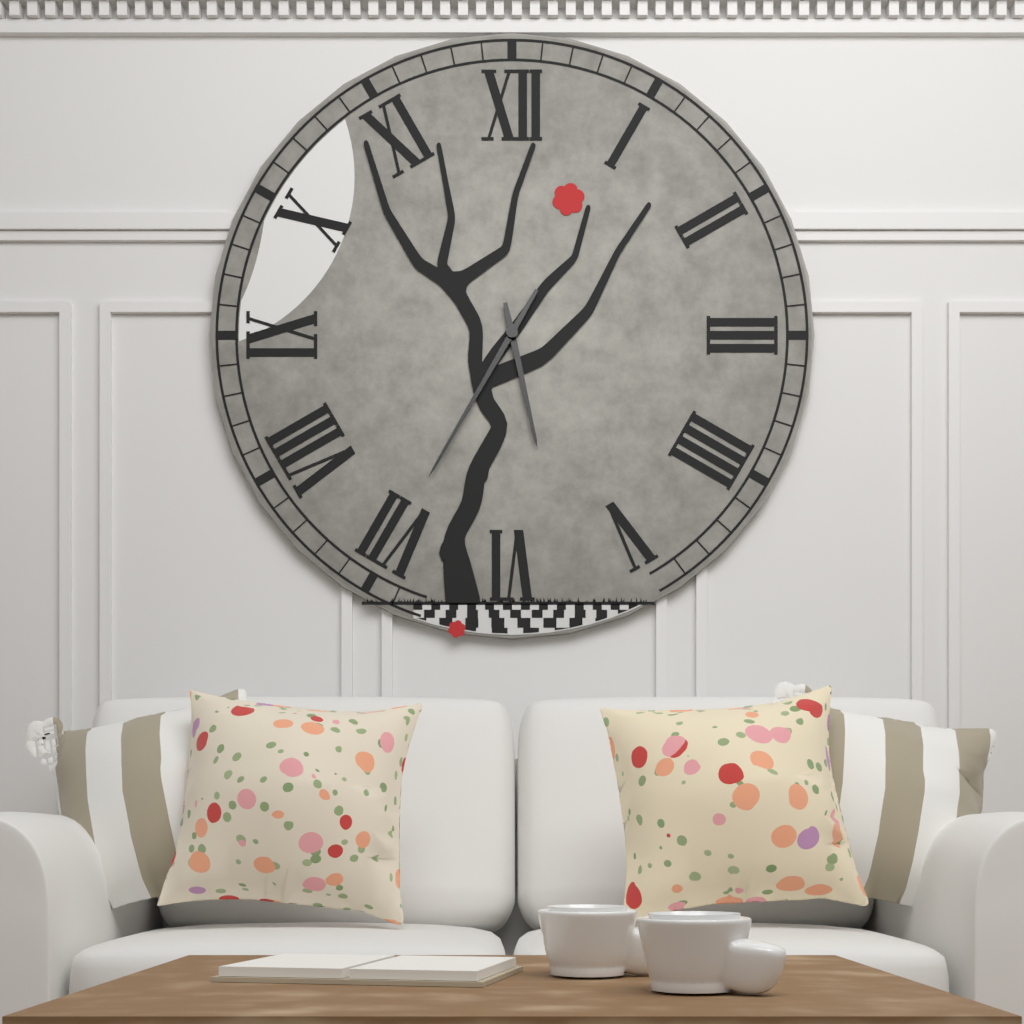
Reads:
5h35
